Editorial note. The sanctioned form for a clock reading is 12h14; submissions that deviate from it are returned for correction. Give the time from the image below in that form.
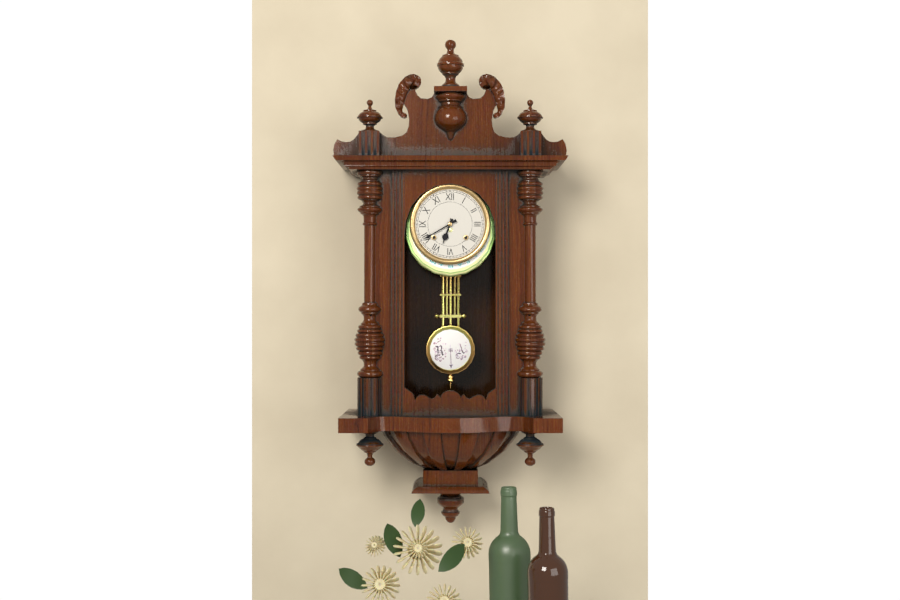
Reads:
6h40
